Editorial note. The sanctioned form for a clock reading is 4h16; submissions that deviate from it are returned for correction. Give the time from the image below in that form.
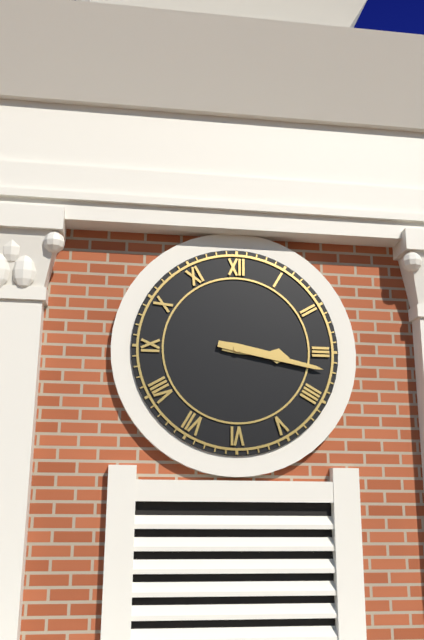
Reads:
3h17
